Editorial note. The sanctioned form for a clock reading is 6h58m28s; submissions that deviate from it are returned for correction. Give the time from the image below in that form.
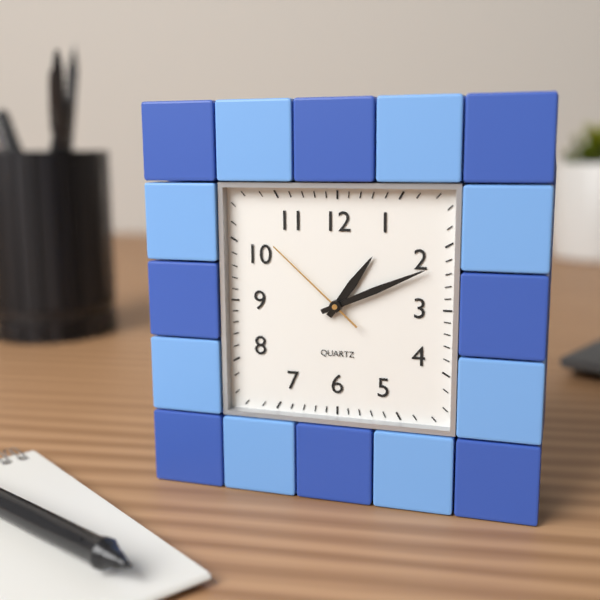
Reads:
1h11m52s
